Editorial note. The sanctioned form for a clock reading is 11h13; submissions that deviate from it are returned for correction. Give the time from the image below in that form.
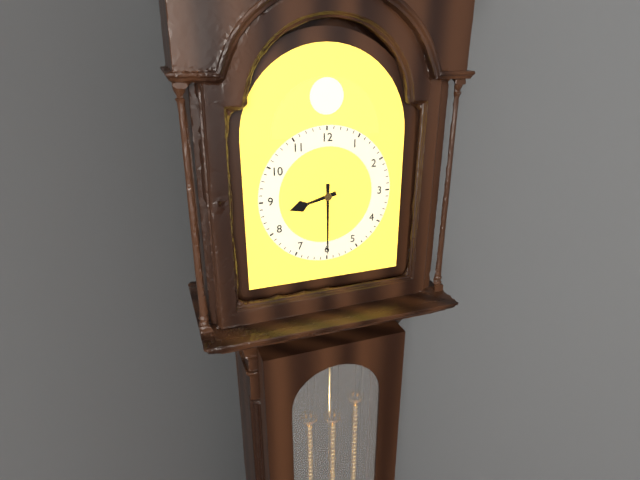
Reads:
8h30
